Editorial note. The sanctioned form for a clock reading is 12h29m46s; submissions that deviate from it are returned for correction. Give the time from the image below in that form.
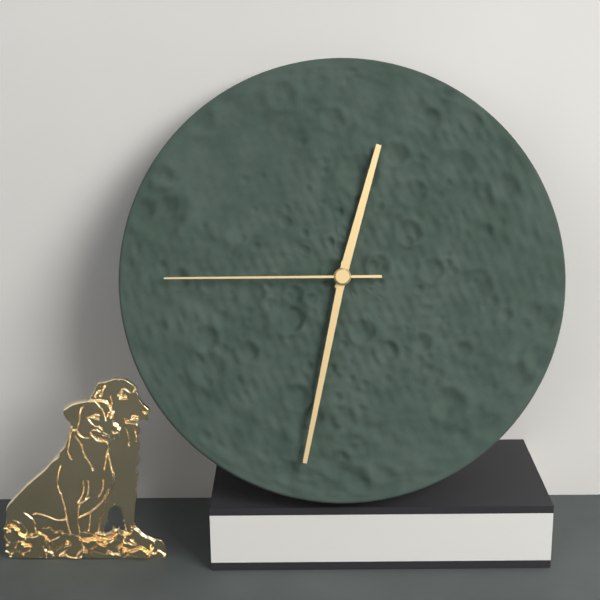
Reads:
12h32m45s
